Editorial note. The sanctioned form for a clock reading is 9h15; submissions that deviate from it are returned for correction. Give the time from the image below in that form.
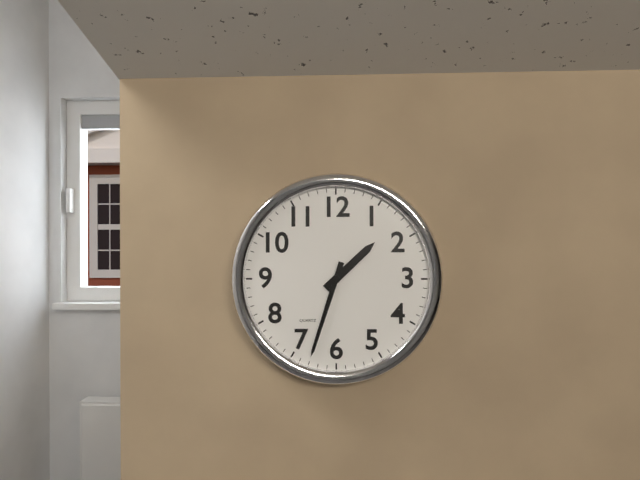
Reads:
1h33
